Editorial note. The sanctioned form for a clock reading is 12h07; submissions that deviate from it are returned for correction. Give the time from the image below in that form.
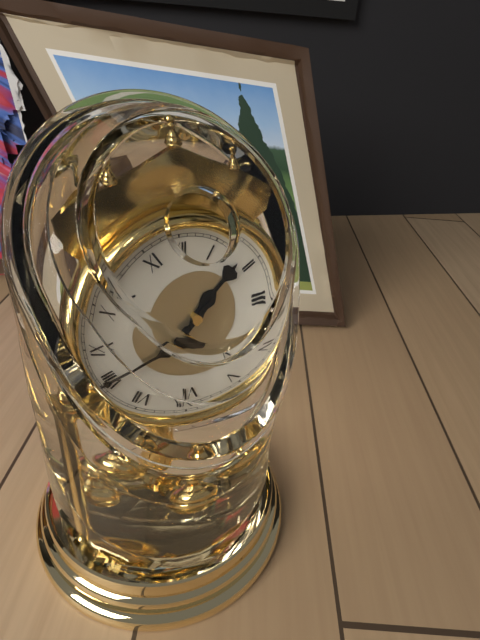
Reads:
1h40
